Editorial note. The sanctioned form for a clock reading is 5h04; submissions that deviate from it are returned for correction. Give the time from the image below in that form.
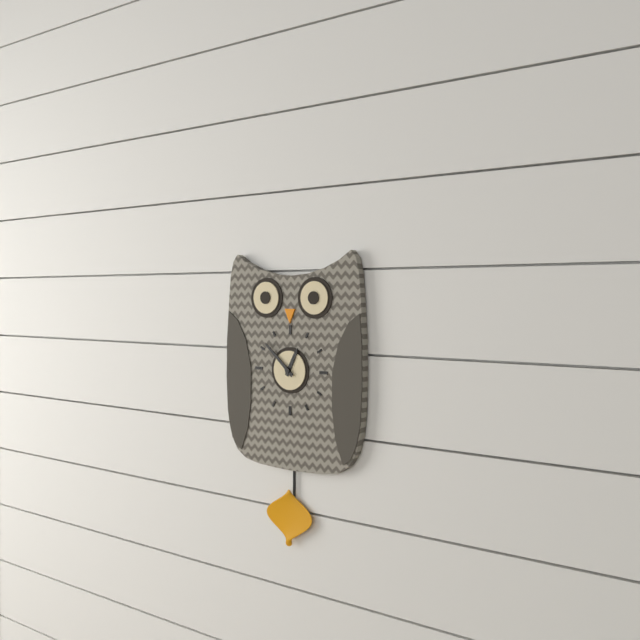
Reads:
12h52
